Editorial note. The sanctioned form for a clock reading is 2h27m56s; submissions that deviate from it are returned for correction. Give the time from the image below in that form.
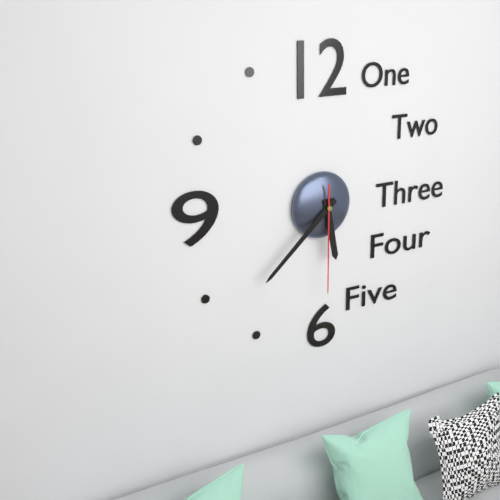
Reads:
5h38m30s
